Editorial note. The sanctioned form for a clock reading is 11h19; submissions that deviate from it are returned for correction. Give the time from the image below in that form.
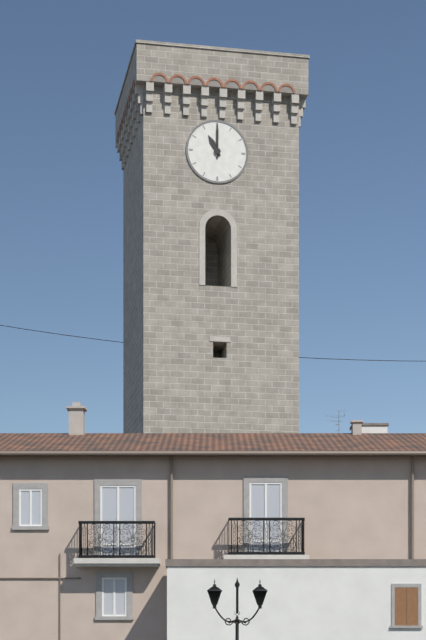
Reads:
11h00
